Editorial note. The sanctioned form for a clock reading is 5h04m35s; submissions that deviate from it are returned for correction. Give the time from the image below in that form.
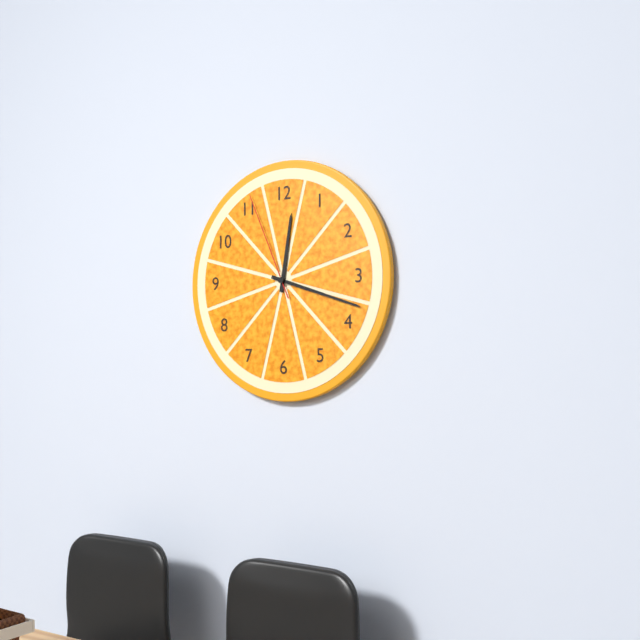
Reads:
12h18m56s
